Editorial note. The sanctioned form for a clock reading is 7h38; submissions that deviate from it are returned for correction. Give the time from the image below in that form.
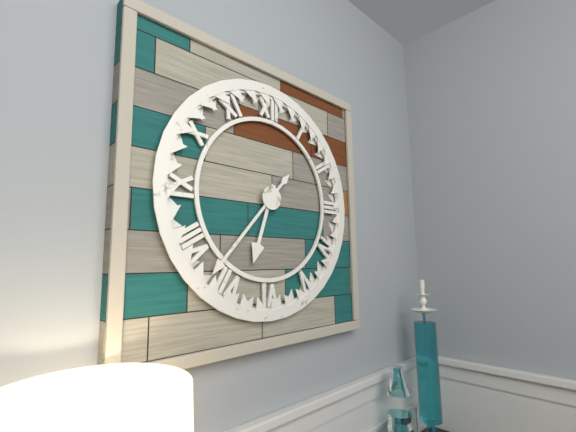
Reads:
6h37
